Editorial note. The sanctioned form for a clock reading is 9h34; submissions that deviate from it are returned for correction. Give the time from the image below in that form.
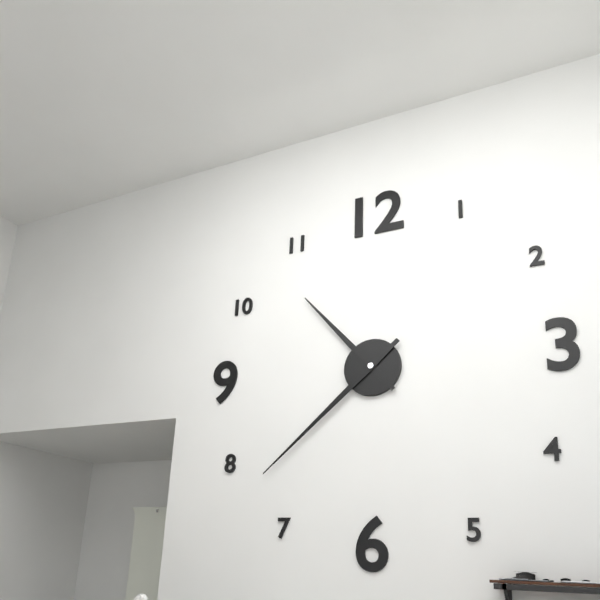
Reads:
10h38
